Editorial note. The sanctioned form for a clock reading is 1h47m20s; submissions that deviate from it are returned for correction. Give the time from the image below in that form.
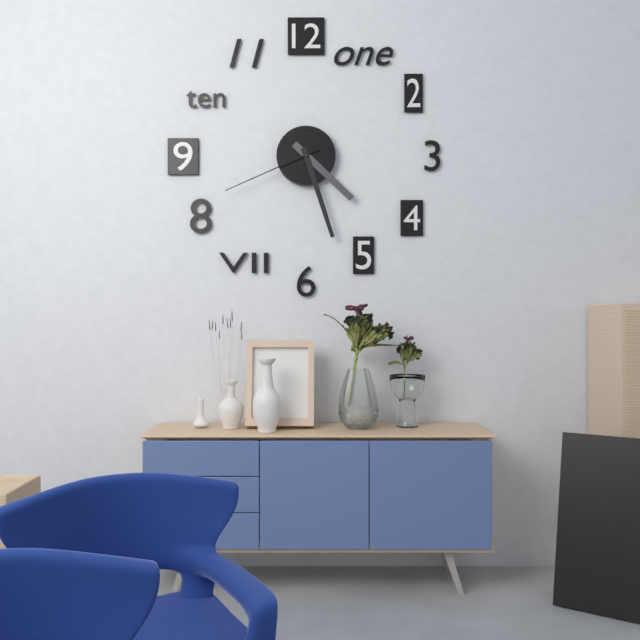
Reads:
4h27m41s
